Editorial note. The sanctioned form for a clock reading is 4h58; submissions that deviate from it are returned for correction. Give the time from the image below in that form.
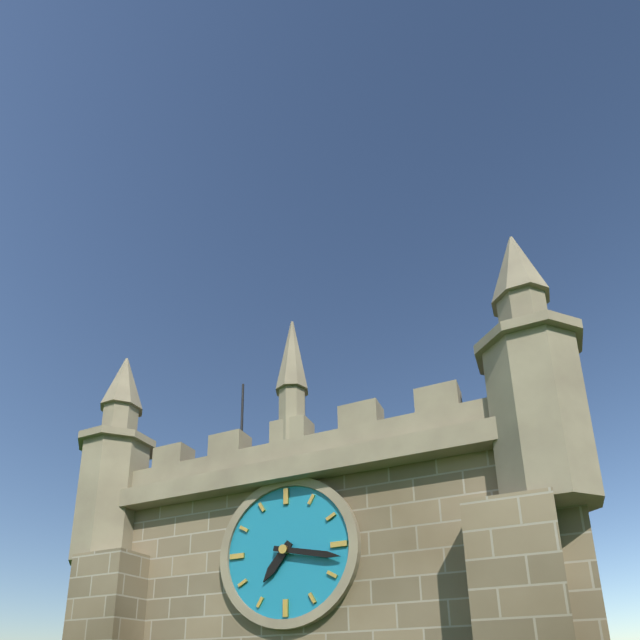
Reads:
7h17
